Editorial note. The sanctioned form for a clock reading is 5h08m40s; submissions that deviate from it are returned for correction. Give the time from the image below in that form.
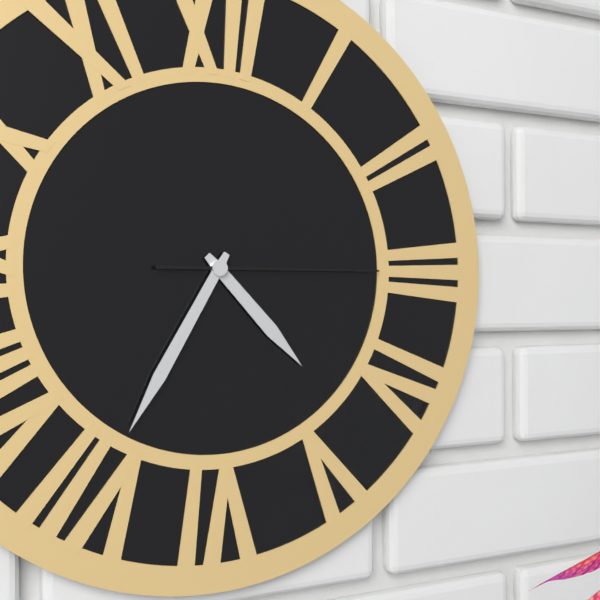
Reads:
4h35m15s
